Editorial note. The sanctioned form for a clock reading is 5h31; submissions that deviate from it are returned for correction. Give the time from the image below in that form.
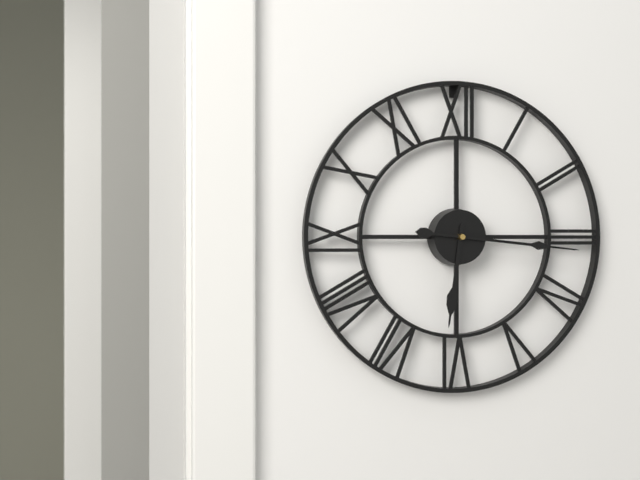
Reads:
6h16
